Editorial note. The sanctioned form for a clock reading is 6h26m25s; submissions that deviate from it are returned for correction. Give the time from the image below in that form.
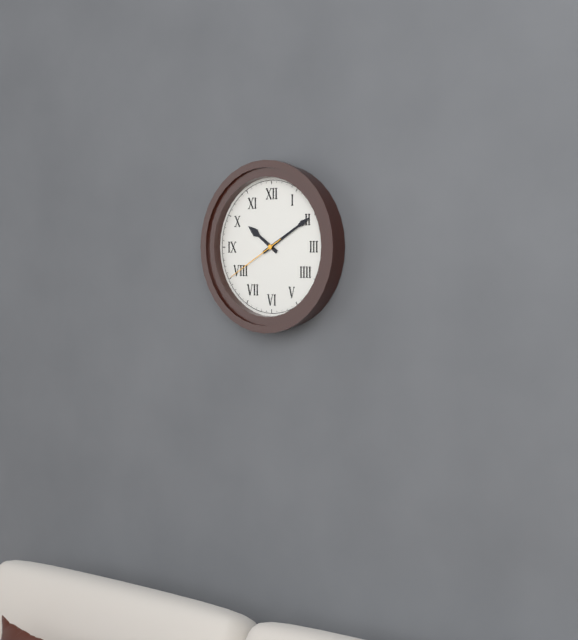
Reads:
10h10m40s
